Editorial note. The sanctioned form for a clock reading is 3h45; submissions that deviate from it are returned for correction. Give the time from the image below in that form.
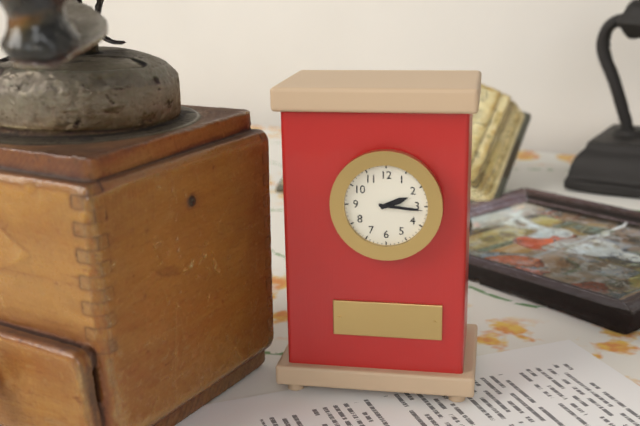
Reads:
2h16
